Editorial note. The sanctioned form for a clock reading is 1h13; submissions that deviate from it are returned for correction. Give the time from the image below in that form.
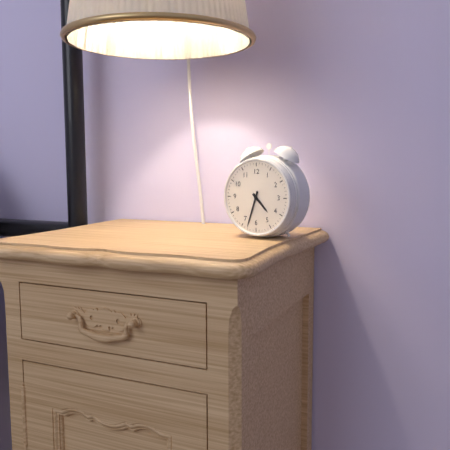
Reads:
4h33
